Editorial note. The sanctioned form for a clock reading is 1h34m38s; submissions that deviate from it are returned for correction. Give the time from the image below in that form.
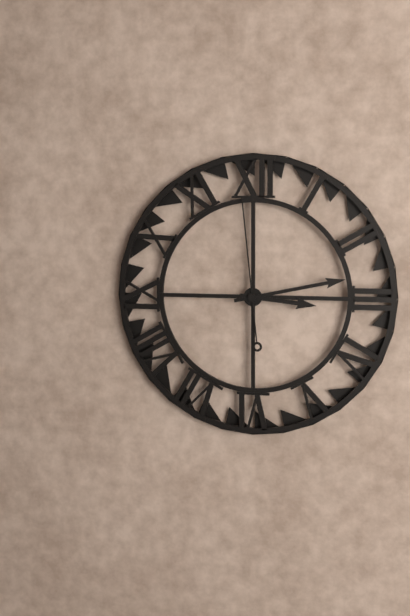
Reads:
3h13m59s
